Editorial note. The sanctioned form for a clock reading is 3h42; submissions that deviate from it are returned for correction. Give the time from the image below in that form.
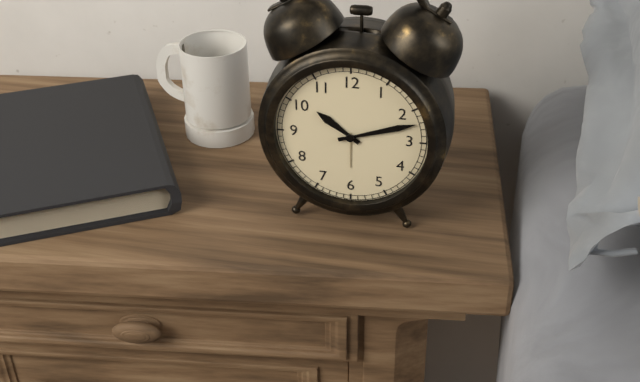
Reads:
10h12
